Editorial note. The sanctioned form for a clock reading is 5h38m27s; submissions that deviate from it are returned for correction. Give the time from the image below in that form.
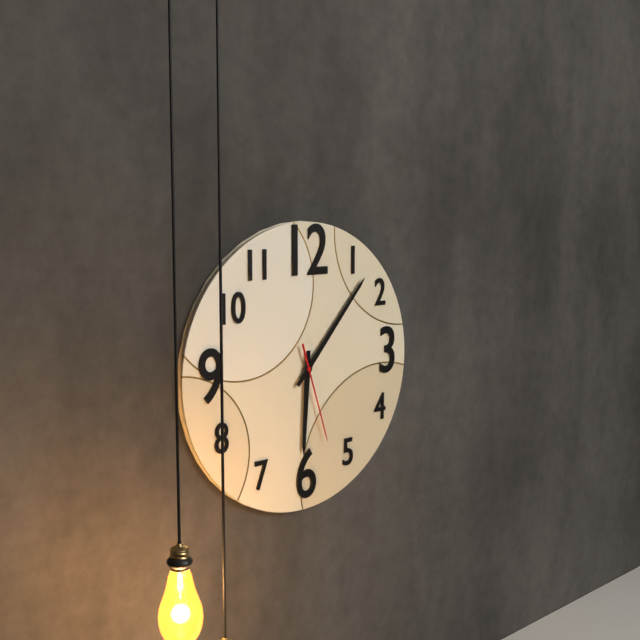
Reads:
6h07m27s
